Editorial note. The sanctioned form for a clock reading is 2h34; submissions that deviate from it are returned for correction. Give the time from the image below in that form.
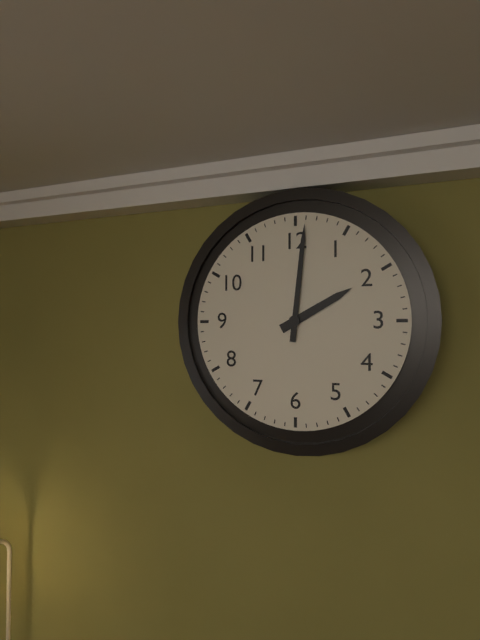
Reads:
2h01
